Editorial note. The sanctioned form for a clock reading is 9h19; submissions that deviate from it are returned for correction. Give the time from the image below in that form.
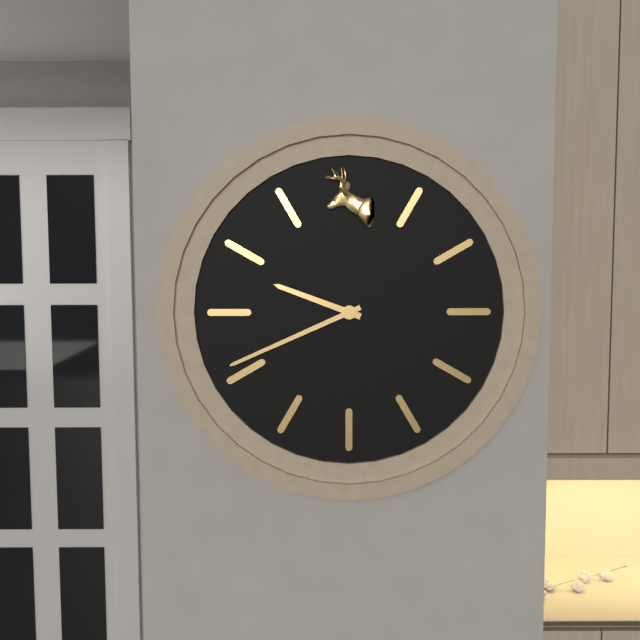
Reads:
9h41
